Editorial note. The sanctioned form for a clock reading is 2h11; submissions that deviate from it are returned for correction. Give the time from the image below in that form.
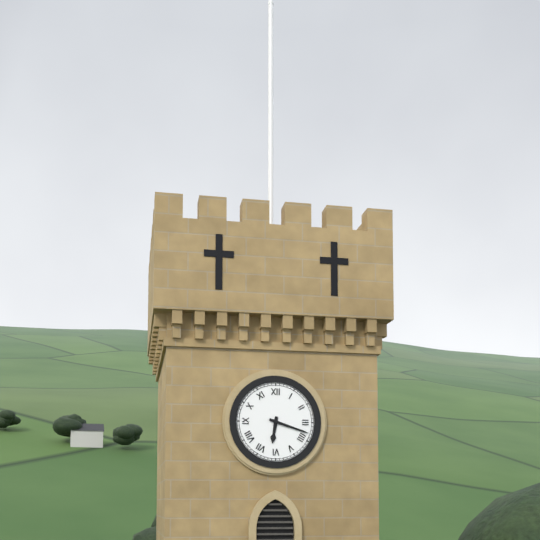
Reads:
6h18
